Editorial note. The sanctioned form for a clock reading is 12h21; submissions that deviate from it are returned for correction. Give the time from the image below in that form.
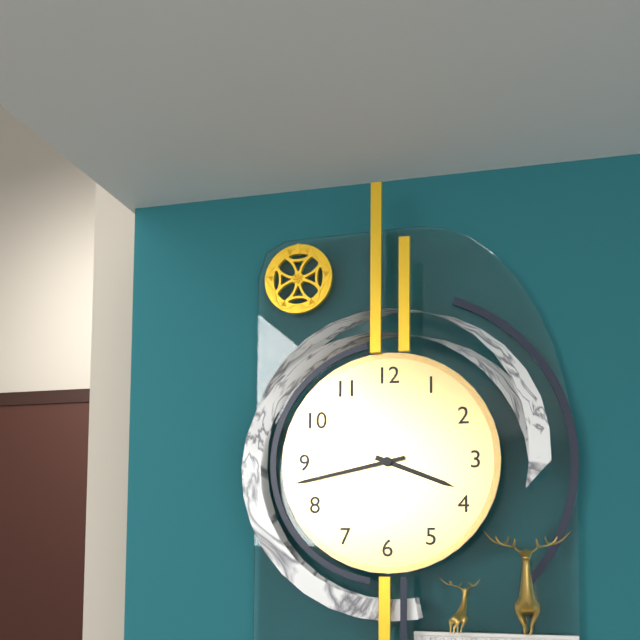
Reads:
3h43
